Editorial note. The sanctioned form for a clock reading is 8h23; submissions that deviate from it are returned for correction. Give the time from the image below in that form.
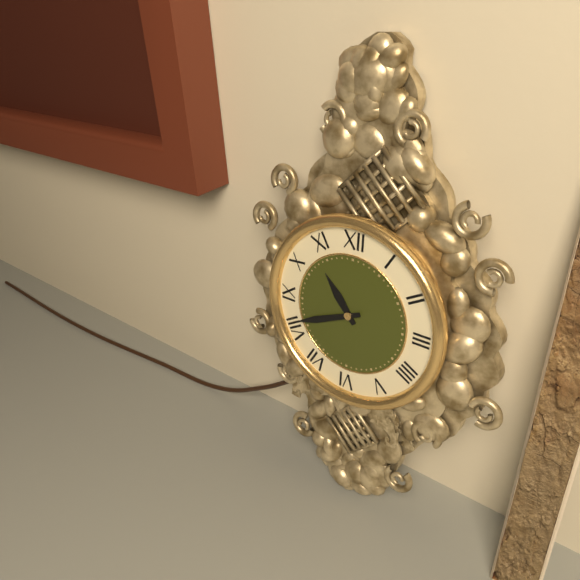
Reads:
10h41
